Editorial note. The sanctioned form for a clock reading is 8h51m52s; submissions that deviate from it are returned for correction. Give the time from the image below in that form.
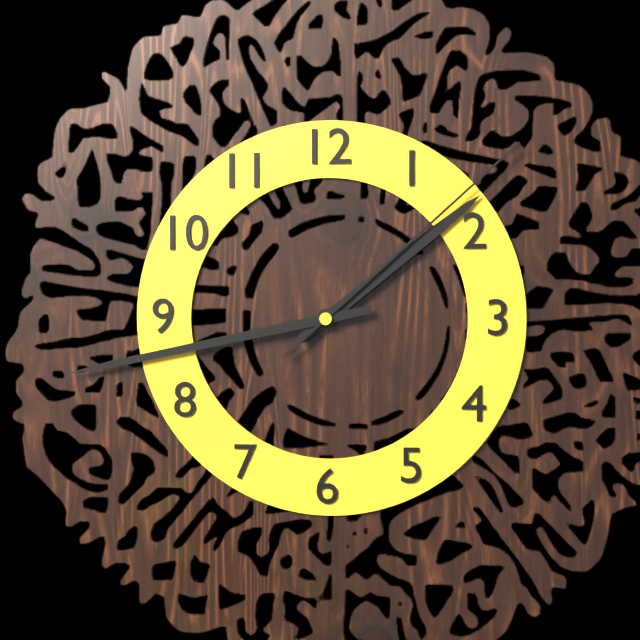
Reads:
1h43m08s
